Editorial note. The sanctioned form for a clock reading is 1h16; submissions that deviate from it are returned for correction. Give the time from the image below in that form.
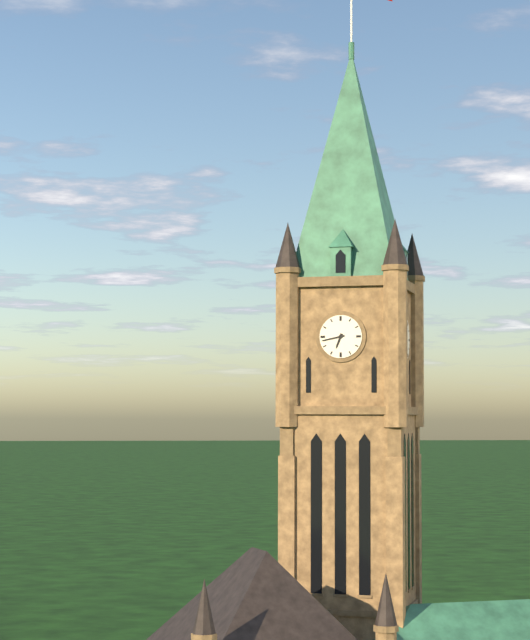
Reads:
6h43
